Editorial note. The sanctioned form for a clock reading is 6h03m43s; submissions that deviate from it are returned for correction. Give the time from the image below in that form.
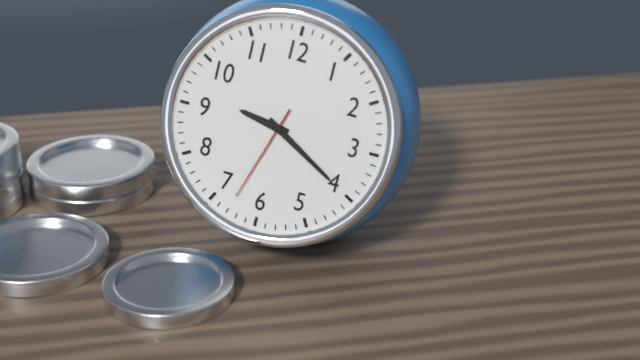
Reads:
9h20m33s
